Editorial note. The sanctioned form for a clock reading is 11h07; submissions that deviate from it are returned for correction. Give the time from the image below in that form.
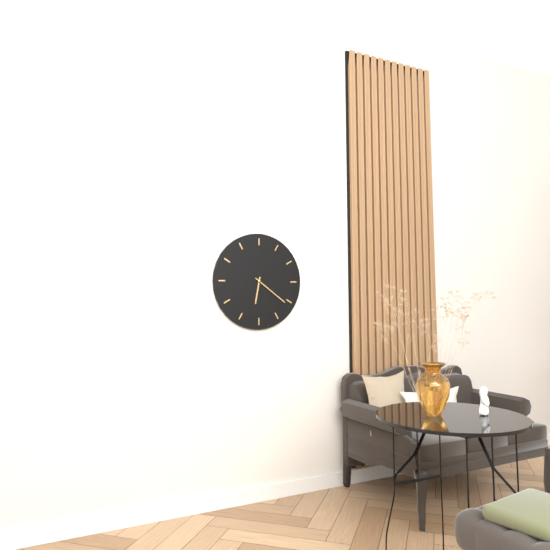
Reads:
6h21
